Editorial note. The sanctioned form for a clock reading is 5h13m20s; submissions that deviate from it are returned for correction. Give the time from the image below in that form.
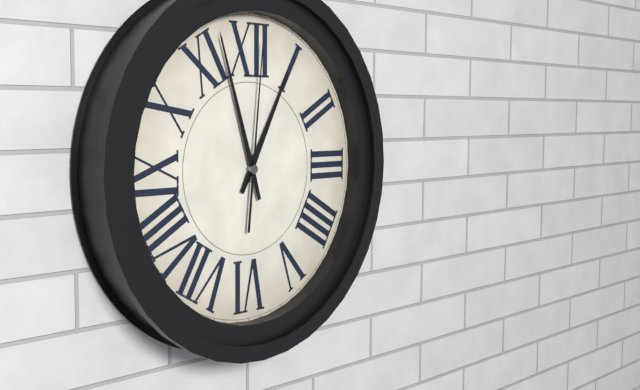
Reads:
12h57m01s
